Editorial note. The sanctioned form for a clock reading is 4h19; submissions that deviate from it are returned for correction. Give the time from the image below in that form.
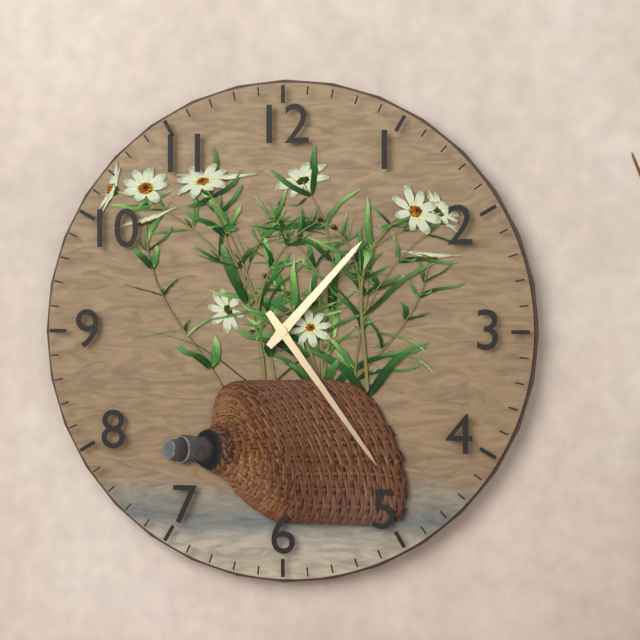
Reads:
1h24
